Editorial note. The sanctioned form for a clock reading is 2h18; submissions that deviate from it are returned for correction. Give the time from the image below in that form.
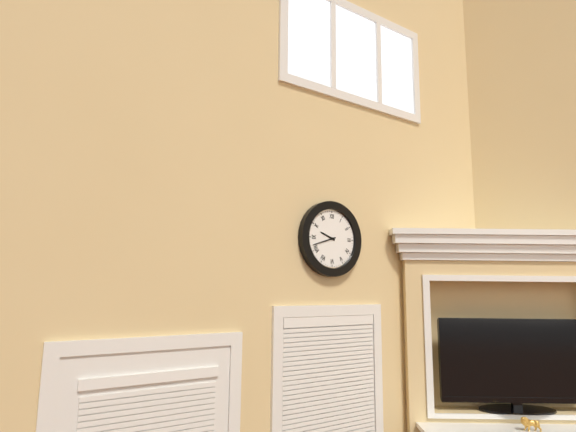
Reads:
9h42
